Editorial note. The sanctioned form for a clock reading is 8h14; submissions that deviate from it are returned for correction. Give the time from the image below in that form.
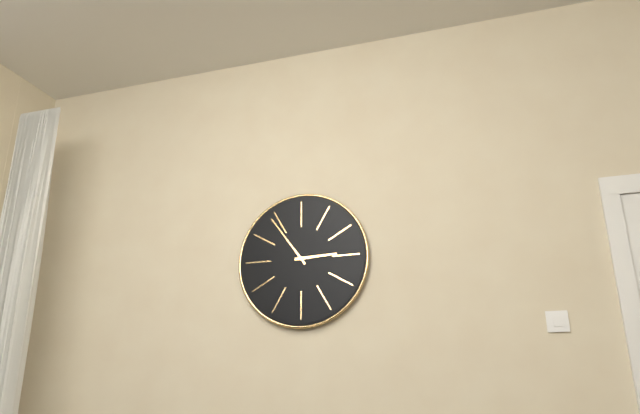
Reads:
2h54
